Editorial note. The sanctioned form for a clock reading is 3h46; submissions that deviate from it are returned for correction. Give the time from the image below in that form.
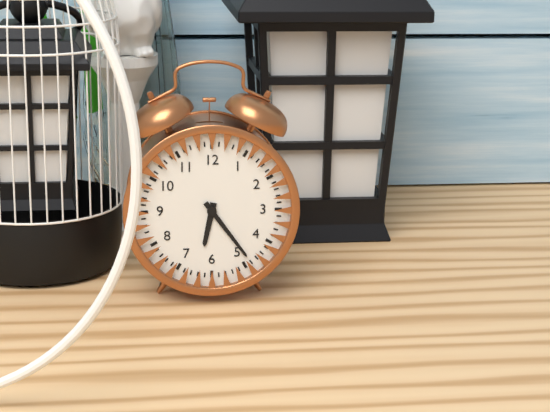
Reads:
6h24
